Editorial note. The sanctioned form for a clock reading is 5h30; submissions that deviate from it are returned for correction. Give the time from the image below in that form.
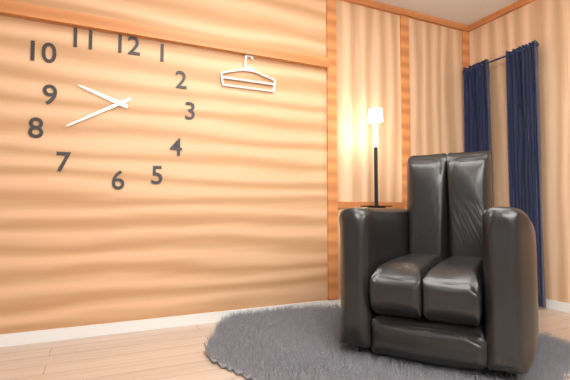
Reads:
9h40
